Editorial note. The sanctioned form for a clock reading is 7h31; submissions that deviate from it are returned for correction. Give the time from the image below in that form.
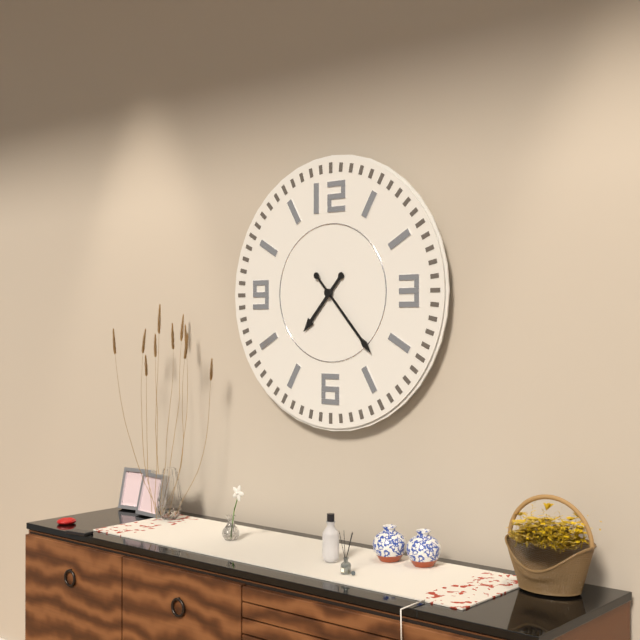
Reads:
7h23
